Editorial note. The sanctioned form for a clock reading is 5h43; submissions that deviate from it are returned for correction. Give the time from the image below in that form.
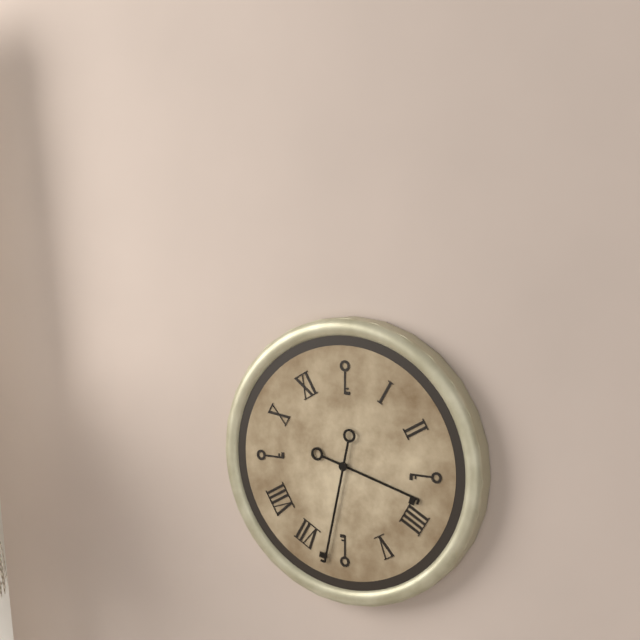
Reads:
3h32
